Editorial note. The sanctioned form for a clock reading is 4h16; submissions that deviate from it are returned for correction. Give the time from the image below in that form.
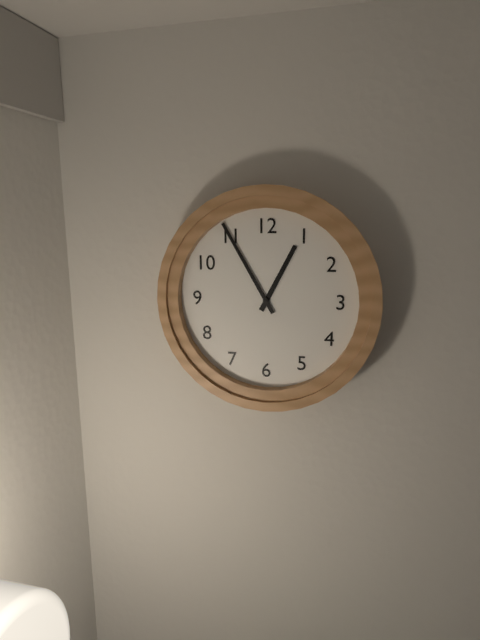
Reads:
12h55
